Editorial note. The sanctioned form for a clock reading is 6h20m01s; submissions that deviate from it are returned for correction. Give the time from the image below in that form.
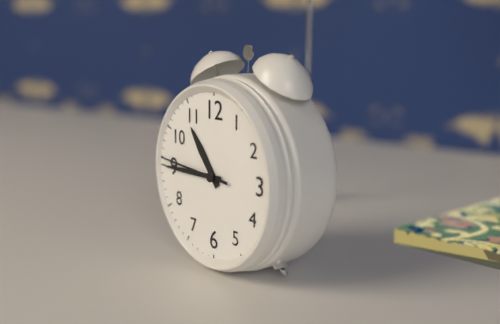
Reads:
10h45m46s
